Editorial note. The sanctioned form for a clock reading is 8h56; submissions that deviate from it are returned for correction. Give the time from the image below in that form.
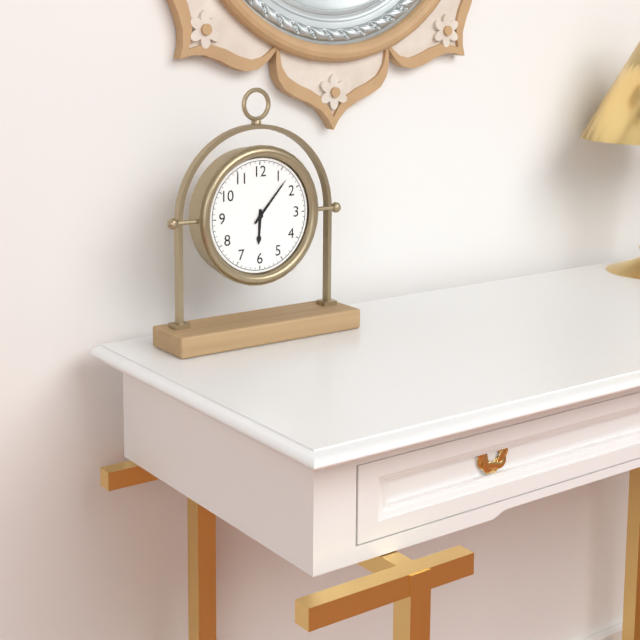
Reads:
6h07
